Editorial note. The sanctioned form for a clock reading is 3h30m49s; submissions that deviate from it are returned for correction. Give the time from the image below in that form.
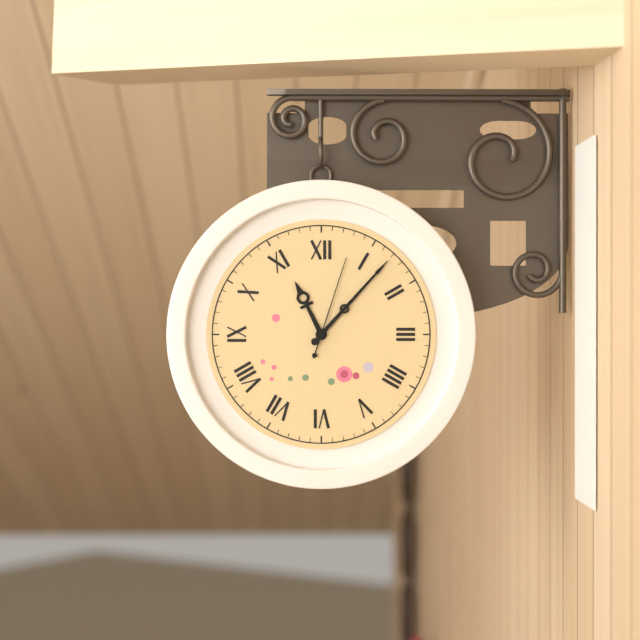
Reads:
11h07m03s
